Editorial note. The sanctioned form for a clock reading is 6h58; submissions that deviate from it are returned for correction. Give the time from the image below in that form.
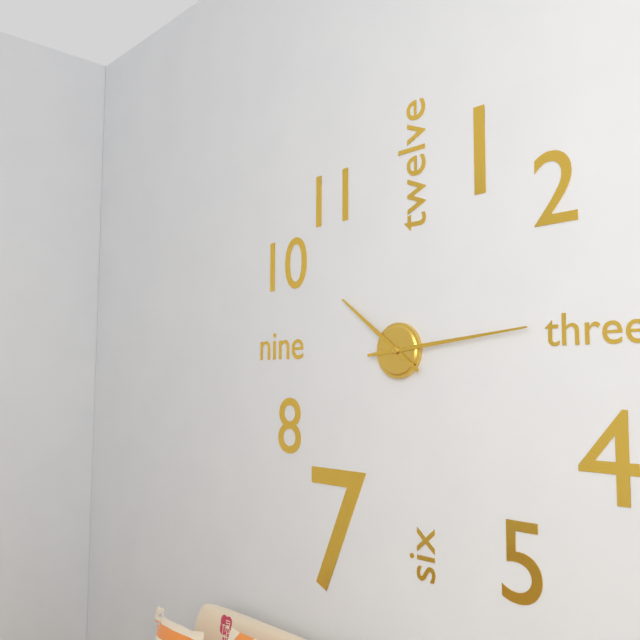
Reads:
10h14
